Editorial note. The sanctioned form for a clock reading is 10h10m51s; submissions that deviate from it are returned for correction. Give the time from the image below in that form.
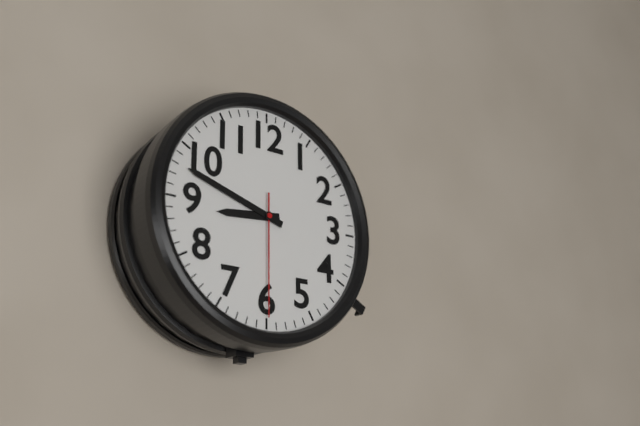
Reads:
8h48m30s
